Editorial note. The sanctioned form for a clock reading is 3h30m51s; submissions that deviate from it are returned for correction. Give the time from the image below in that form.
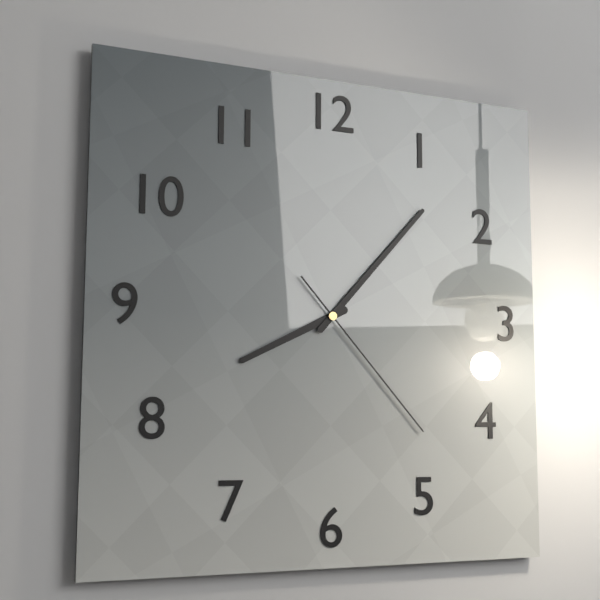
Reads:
8h07m23s
